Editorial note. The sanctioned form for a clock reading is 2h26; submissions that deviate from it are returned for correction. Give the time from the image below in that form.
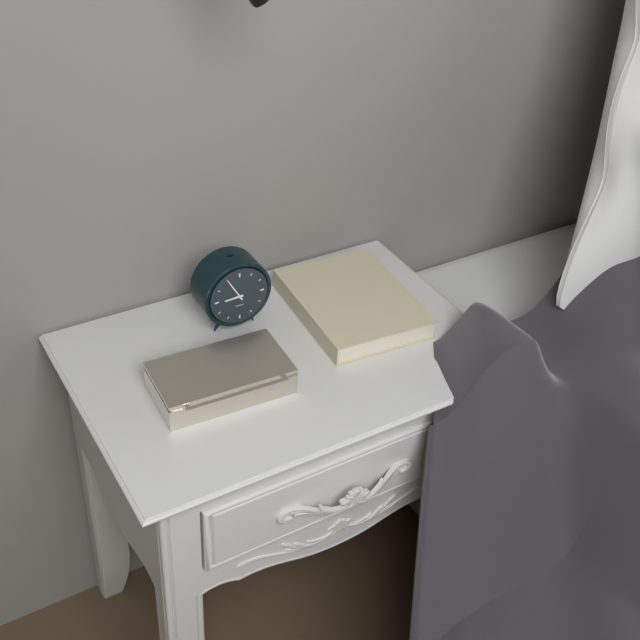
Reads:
8h55
